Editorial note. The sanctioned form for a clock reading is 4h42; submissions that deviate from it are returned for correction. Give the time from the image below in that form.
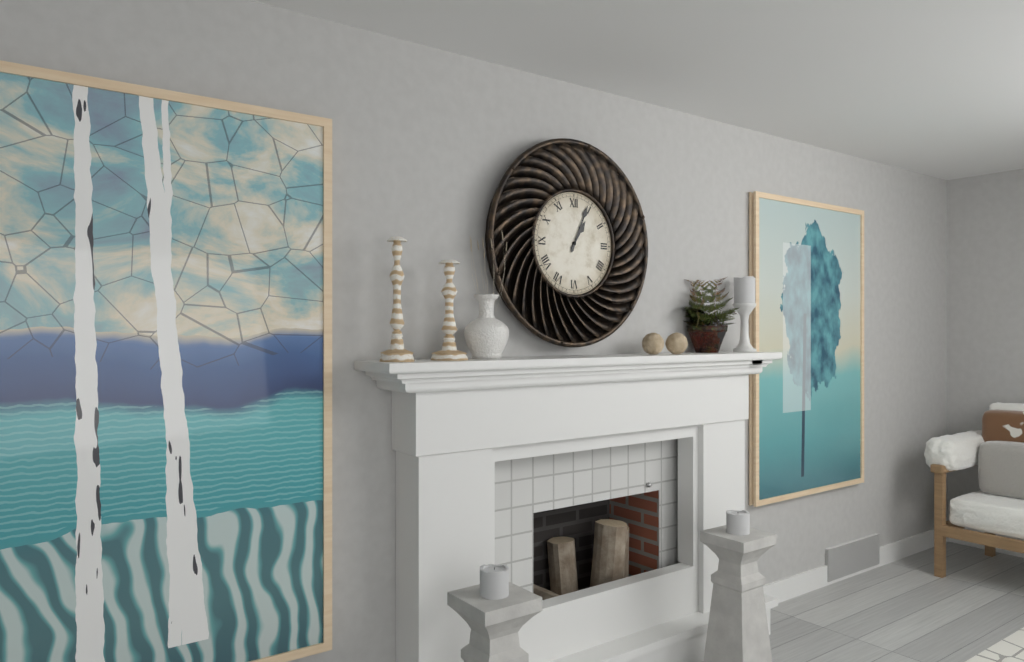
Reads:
1h04
